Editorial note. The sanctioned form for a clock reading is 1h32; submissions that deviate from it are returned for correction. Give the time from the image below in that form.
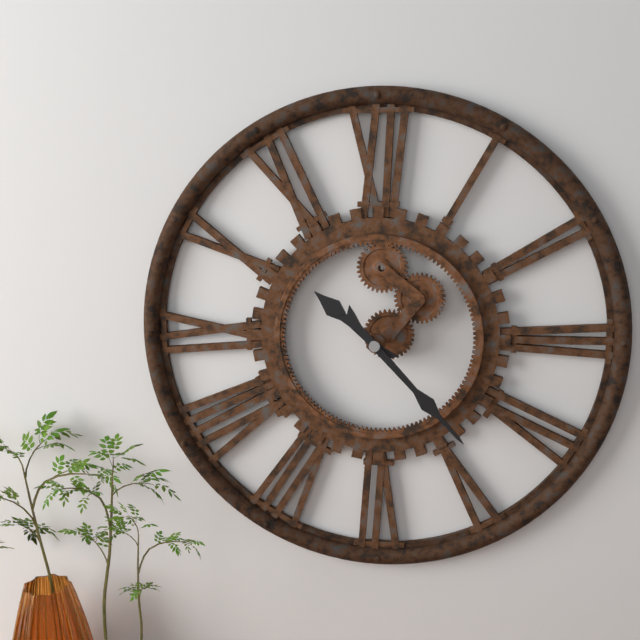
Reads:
10h23
